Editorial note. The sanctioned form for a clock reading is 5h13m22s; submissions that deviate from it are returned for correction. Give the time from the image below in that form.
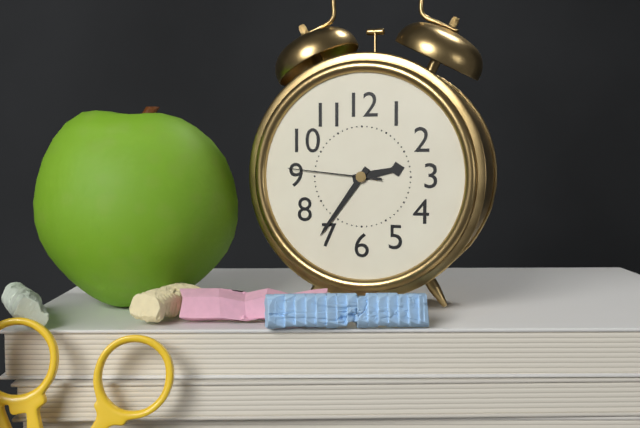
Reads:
2h36m46s
